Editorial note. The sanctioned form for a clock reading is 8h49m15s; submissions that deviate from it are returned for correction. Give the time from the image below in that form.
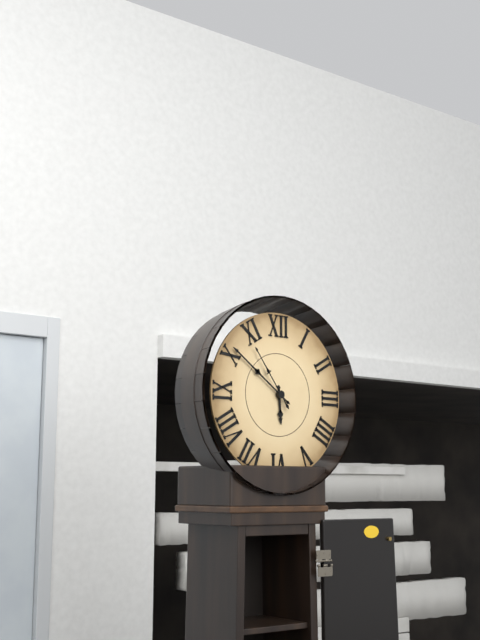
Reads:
5h51m54s
